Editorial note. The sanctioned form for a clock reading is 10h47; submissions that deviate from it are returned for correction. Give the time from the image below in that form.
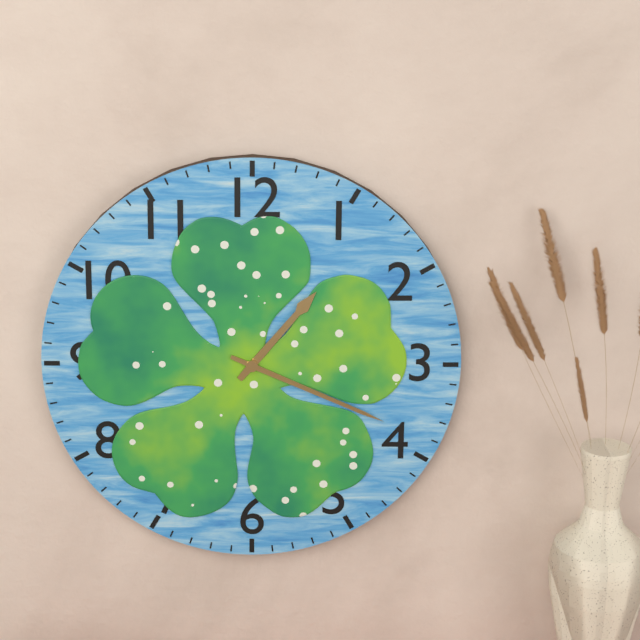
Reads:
1h19
